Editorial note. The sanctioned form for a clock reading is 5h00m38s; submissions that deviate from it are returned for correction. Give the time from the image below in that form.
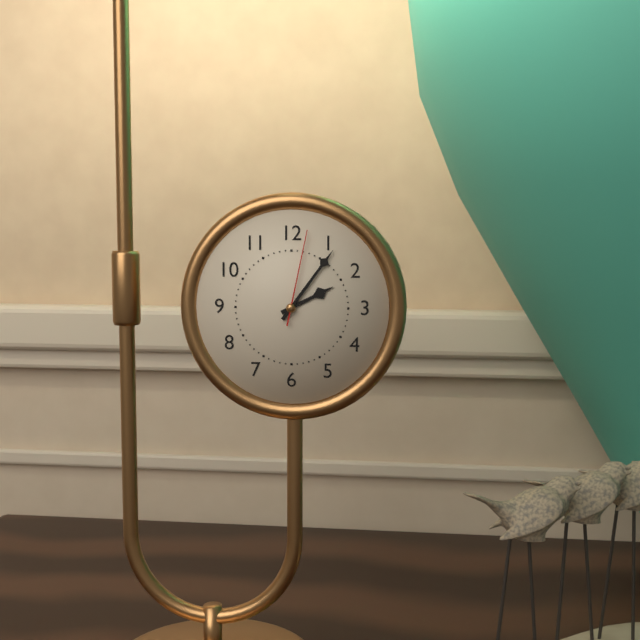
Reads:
2h06m02s
